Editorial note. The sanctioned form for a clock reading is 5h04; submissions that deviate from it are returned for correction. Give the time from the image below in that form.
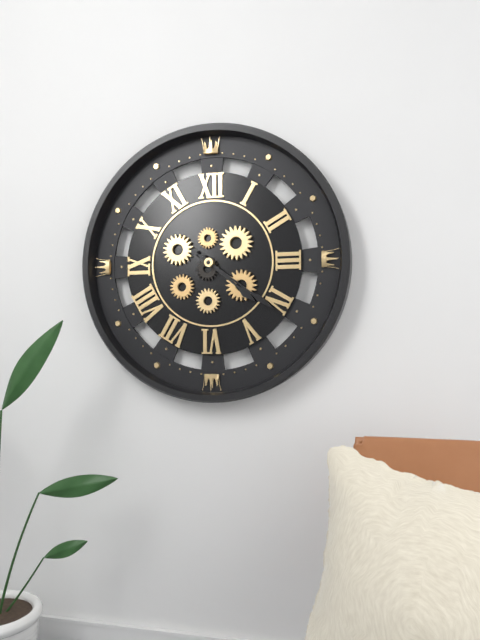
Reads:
4h21
